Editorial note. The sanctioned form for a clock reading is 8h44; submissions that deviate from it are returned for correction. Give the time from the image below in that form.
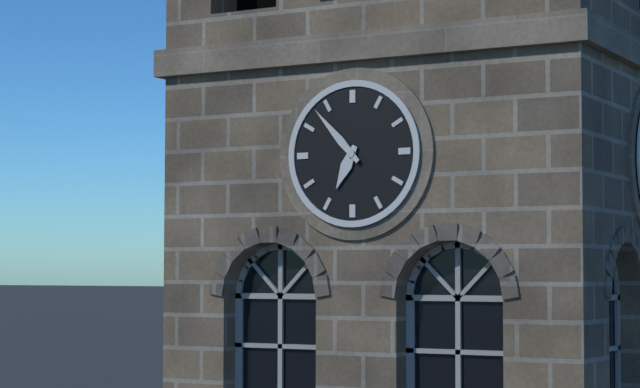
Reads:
6h53
